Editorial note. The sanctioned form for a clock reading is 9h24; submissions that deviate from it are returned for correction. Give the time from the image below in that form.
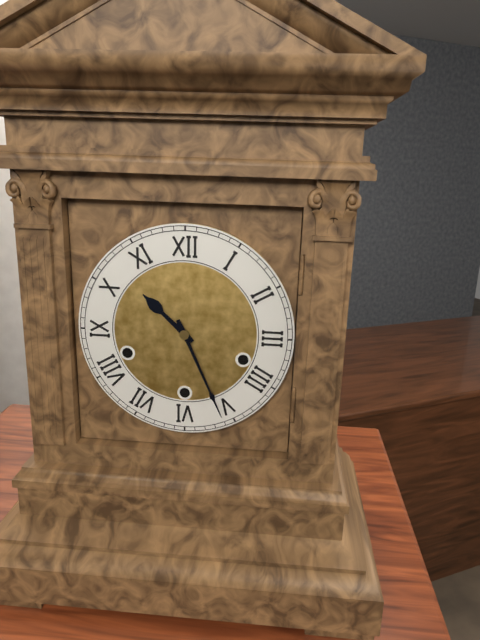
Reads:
10h26
